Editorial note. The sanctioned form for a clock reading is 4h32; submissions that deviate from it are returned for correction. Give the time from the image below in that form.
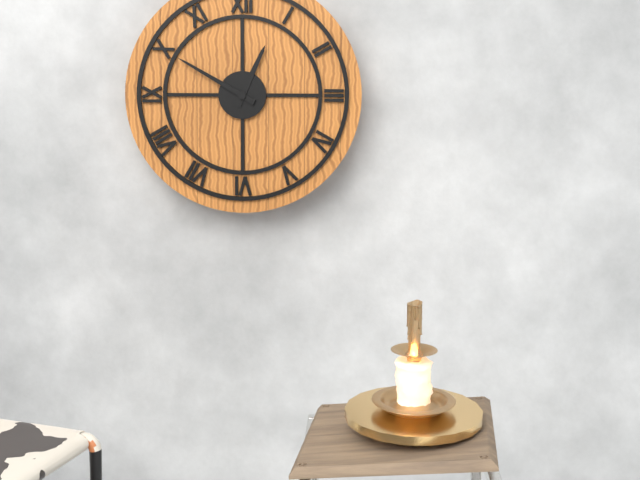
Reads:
12h50
